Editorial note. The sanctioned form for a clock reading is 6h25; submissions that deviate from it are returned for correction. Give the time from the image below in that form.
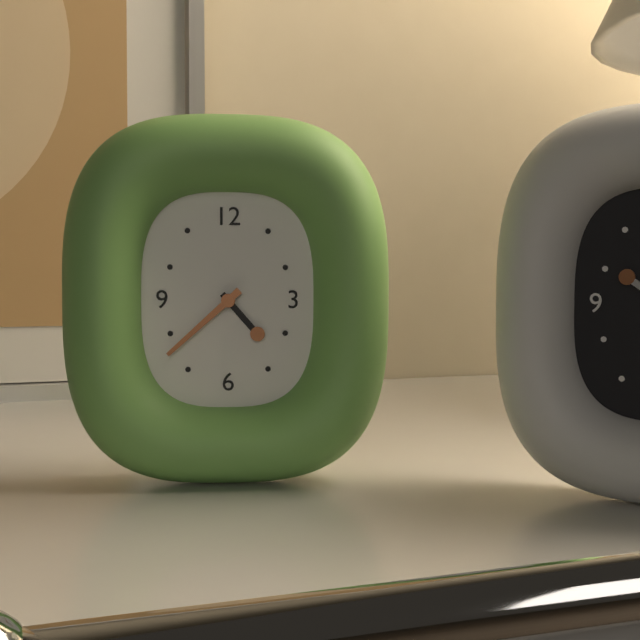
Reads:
4h38
